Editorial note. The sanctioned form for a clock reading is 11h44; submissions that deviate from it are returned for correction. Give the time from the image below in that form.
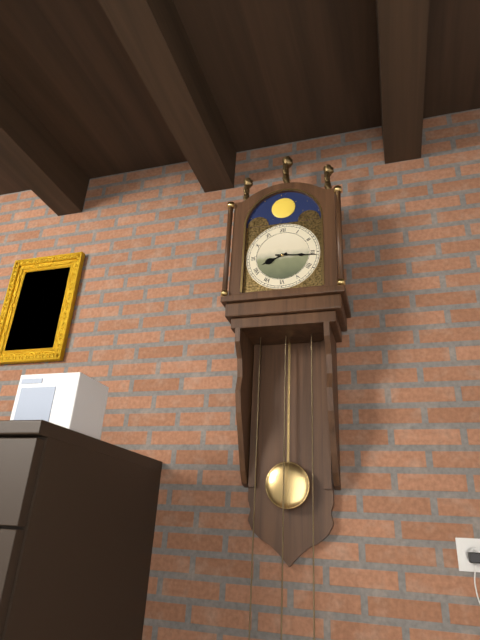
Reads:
8h16
